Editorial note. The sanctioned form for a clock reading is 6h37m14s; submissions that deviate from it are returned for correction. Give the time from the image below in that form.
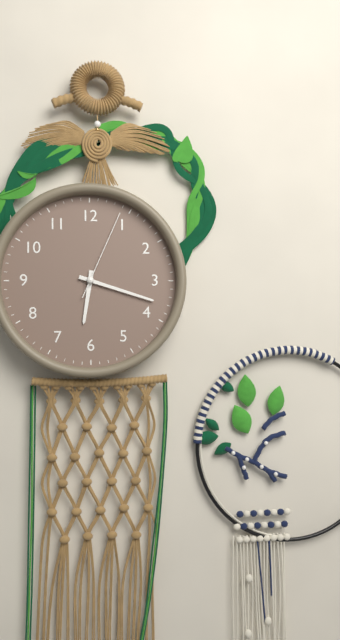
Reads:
6h18m04s
